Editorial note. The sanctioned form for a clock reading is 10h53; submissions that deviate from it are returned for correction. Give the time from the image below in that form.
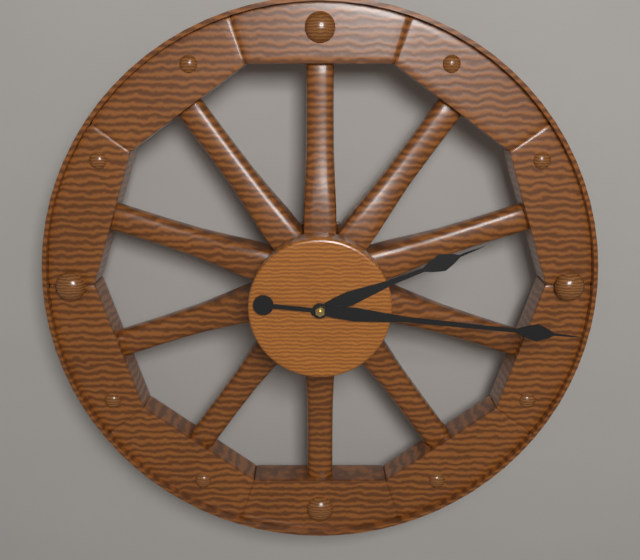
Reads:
2h16
